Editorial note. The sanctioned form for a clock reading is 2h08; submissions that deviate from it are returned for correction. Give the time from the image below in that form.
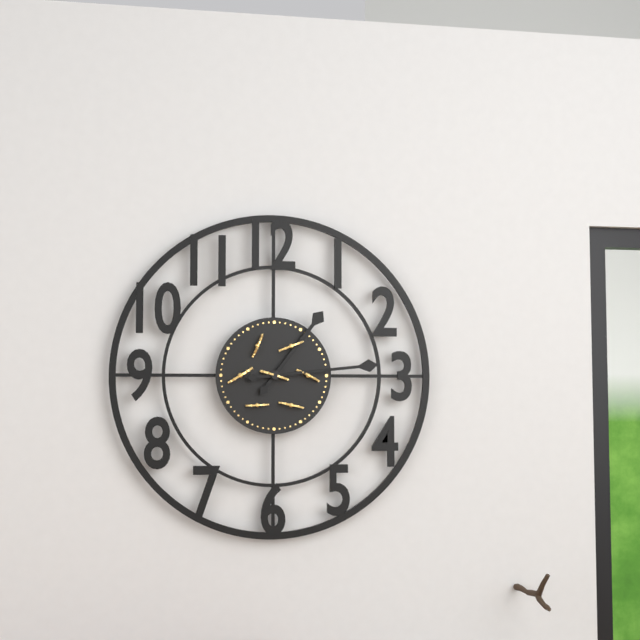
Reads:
1h14
